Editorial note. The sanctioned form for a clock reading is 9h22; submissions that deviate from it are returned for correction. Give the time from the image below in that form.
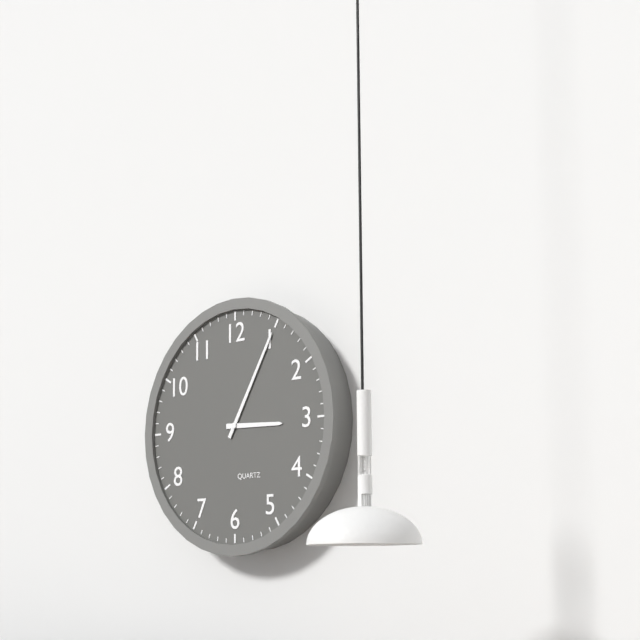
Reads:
3h05
